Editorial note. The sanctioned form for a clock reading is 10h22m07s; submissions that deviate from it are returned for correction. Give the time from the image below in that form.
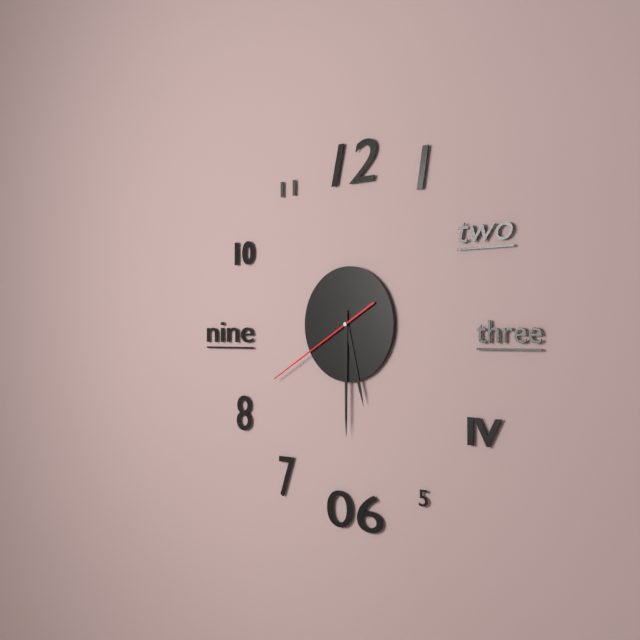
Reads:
5h30m40s
